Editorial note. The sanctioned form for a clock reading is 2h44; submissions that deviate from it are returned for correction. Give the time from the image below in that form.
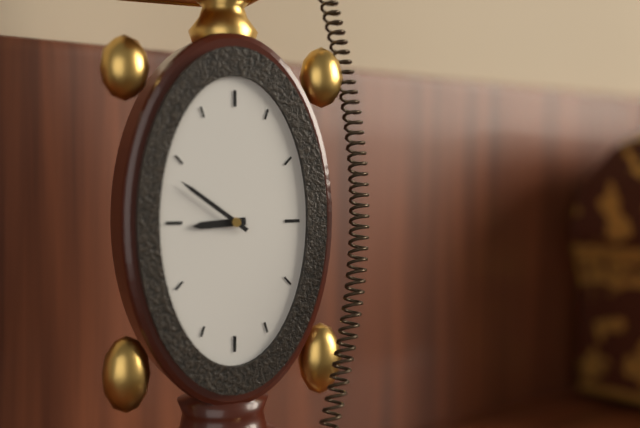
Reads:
8h51
